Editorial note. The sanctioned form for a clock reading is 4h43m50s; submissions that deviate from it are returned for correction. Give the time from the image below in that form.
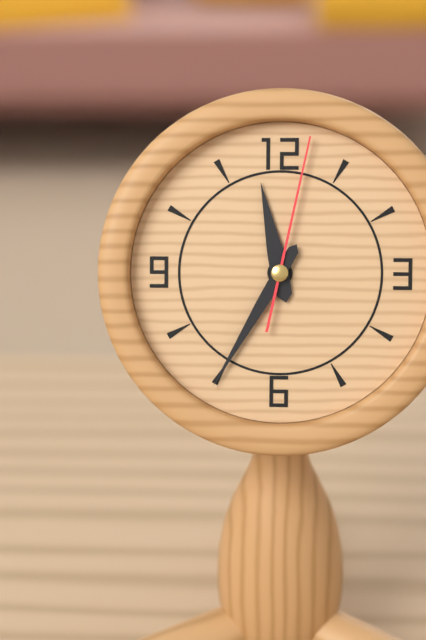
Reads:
11h35m02s
